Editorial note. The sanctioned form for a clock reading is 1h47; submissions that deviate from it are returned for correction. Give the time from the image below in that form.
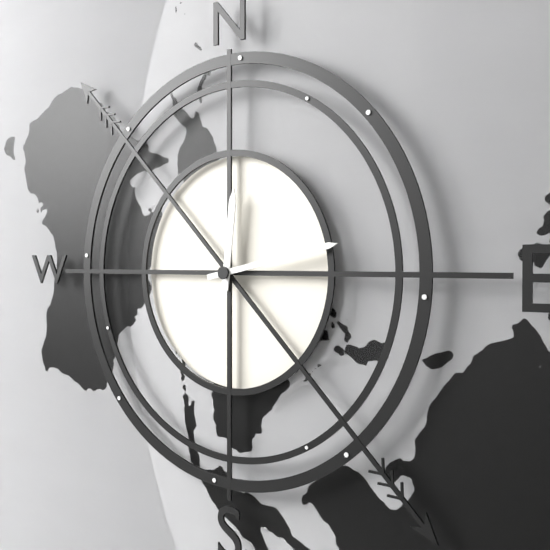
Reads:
12h13
